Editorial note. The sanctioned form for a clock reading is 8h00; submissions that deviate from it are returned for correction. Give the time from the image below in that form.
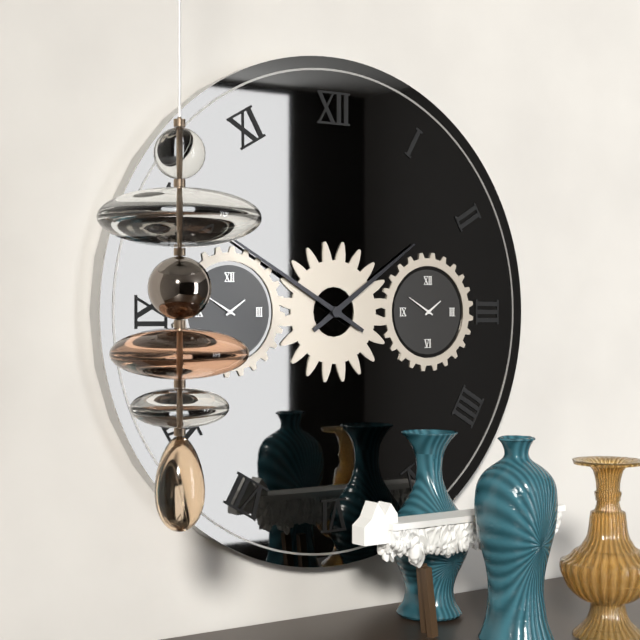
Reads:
1h50
